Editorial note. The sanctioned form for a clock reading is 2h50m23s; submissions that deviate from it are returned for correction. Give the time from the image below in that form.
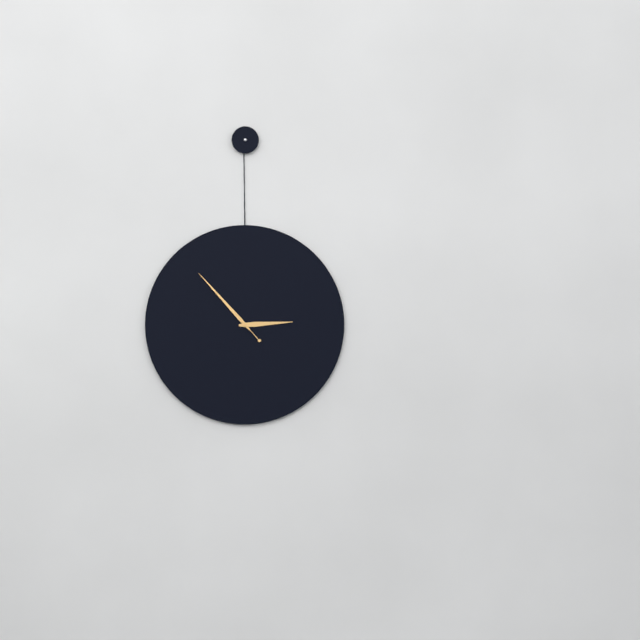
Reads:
2h53m53s
